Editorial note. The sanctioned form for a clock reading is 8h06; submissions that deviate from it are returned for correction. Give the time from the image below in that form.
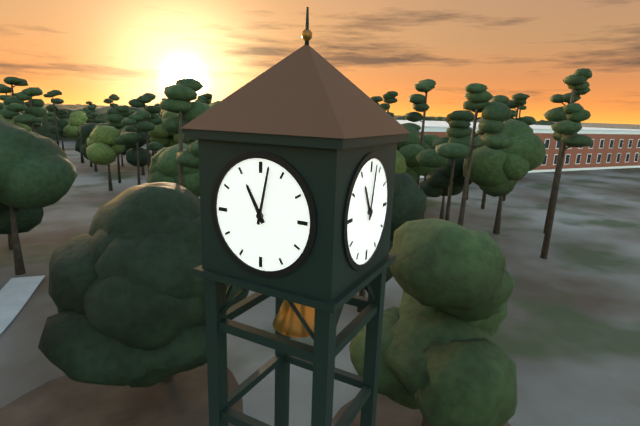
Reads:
11h02
